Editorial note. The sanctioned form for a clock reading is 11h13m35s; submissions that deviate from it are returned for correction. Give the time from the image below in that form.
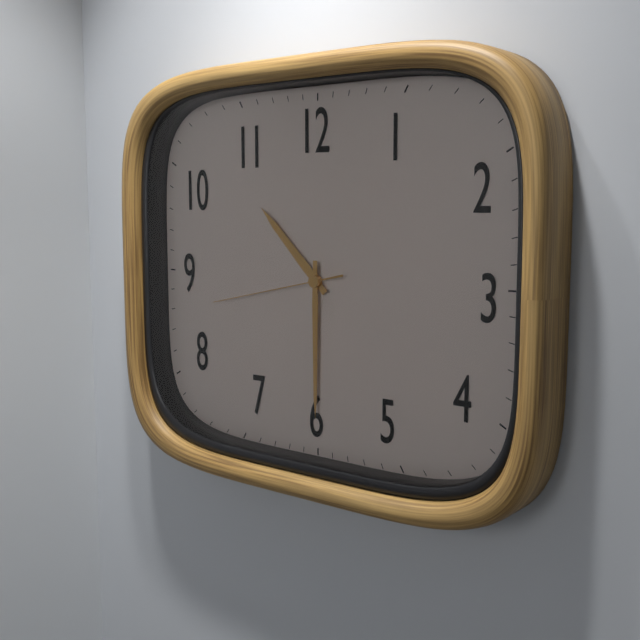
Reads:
10h30m43s
